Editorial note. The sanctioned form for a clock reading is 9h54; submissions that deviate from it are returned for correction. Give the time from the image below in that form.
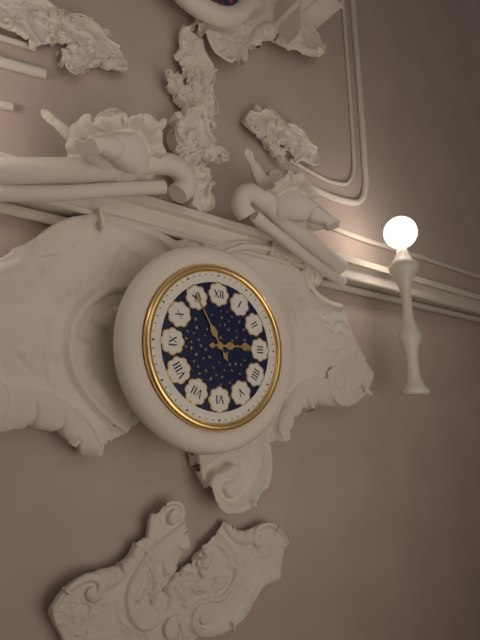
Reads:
2h55
